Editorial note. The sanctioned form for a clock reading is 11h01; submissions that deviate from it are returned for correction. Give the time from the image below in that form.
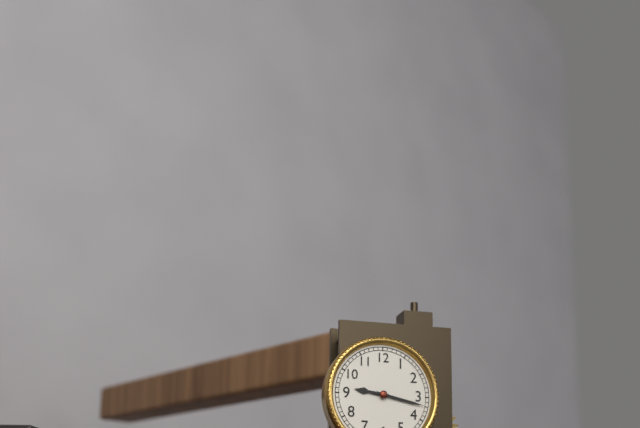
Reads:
9h17
